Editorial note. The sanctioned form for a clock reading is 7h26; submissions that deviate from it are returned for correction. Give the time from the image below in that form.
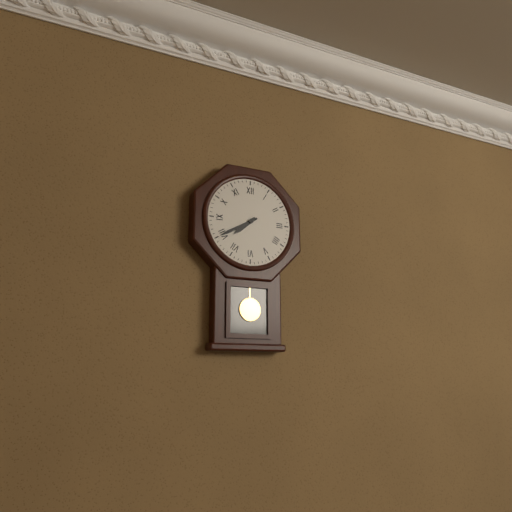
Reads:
7h40
